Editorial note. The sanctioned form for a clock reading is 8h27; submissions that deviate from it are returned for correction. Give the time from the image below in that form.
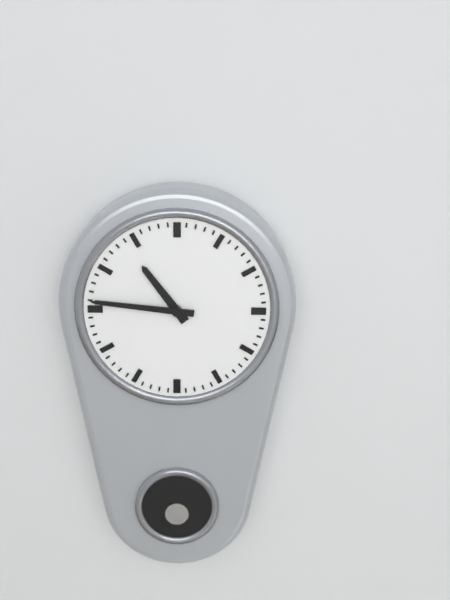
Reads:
10h46
